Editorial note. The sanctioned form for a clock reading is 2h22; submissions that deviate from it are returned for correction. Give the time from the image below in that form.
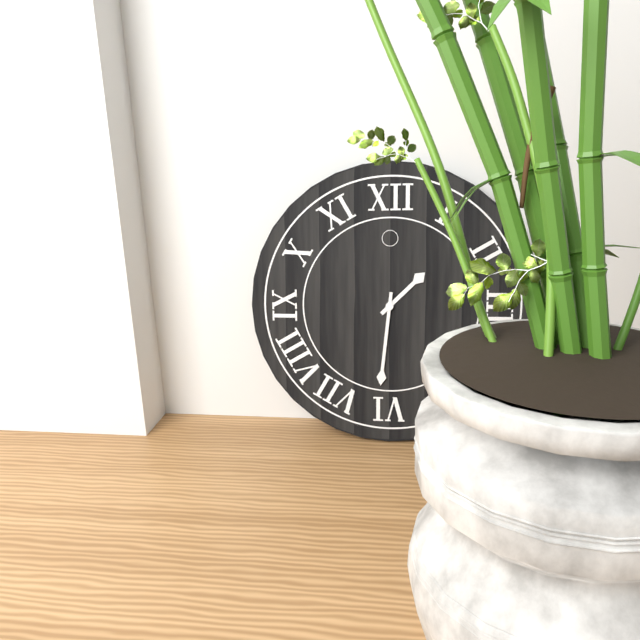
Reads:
1h31
